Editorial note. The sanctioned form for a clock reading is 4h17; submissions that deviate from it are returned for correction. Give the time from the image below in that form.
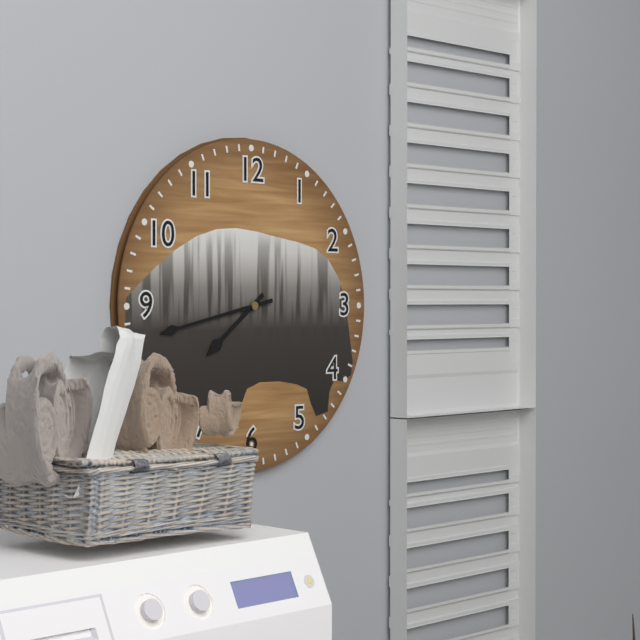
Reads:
7h43
